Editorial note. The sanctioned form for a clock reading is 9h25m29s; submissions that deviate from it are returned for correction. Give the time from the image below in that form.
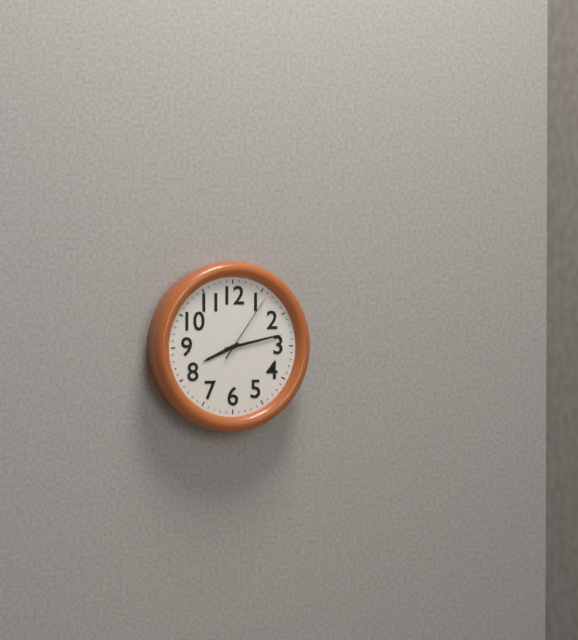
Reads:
8h13m06s
